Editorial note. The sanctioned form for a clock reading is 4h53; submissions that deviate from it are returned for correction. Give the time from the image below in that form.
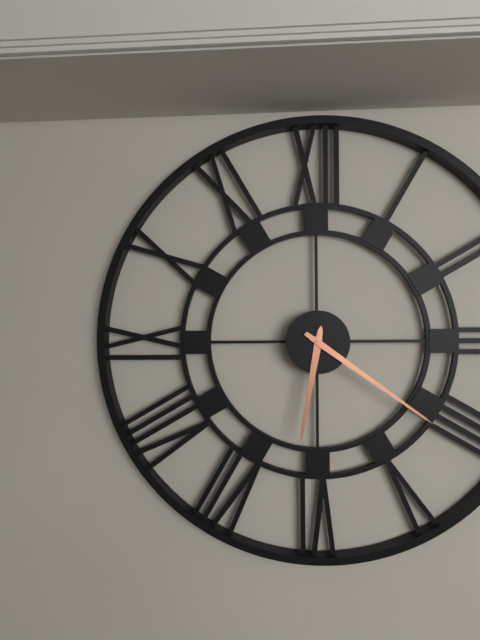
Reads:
6h21
